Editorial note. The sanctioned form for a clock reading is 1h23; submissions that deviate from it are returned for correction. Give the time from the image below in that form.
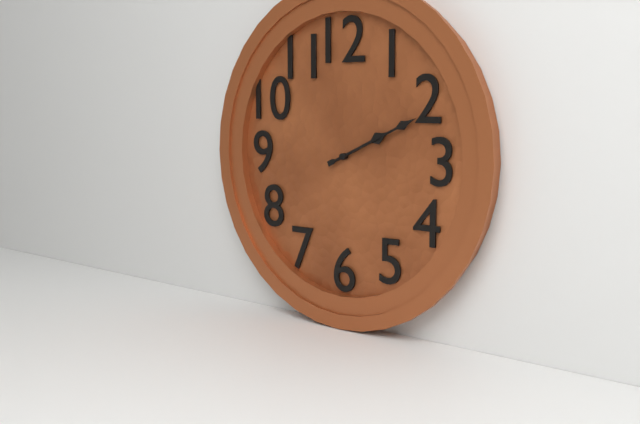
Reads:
2h11
